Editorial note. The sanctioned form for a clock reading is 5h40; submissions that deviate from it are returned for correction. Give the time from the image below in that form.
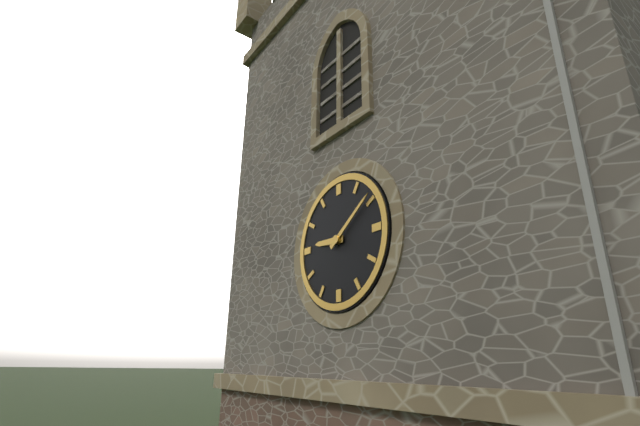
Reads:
9h09
